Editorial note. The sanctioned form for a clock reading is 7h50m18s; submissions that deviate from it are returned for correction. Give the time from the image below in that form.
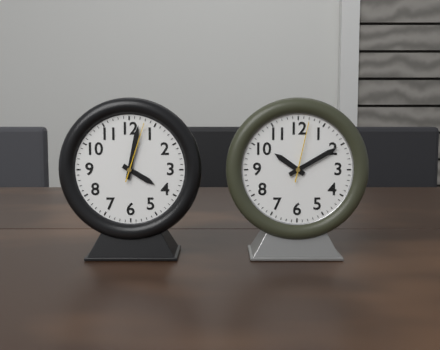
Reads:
4h02m03s
